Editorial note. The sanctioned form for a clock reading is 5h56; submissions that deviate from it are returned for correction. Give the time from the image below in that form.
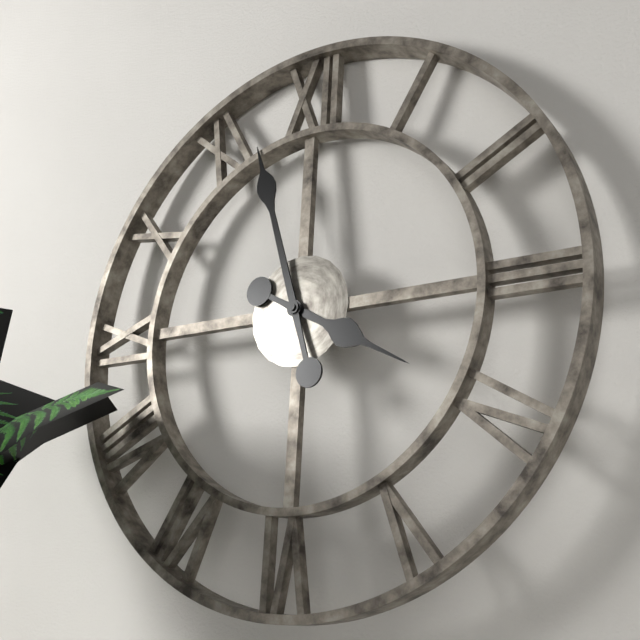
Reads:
3h57
